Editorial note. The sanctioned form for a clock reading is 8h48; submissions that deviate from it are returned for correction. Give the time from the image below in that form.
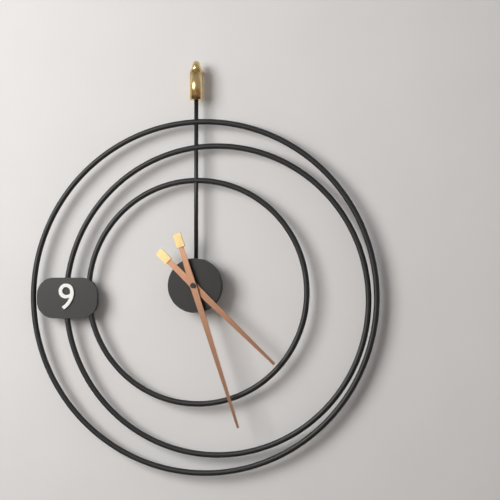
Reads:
4h27
